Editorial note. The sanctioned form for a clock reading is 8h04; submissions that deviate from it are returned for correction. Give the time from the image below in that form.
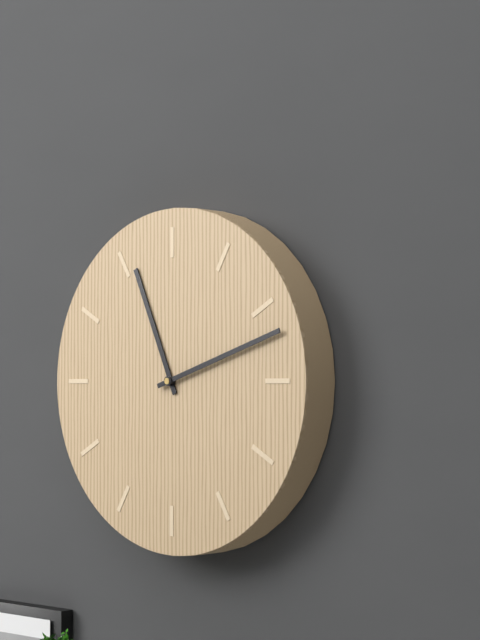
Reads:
11h12
